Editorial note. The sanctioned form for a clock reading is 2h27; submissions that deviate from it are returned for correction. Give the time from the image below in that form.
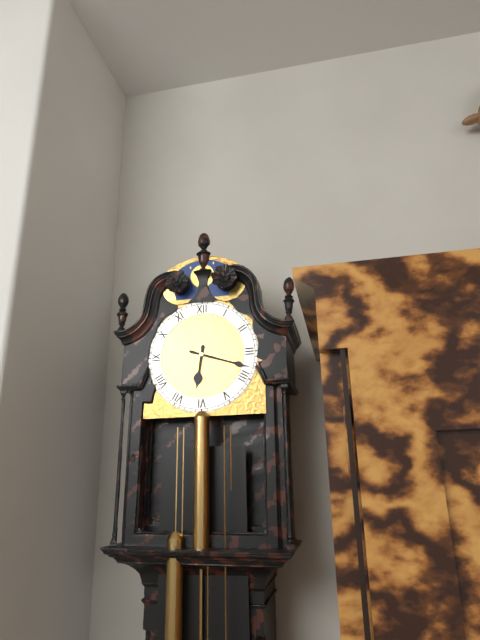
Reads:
6h18
